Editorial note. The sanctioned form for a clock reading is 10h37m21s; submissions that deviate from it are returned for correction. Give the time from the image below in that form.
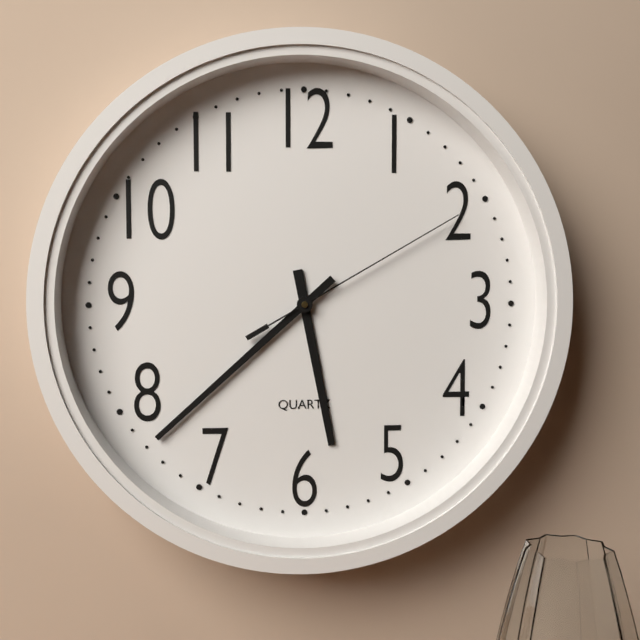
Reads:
5h38m10s
